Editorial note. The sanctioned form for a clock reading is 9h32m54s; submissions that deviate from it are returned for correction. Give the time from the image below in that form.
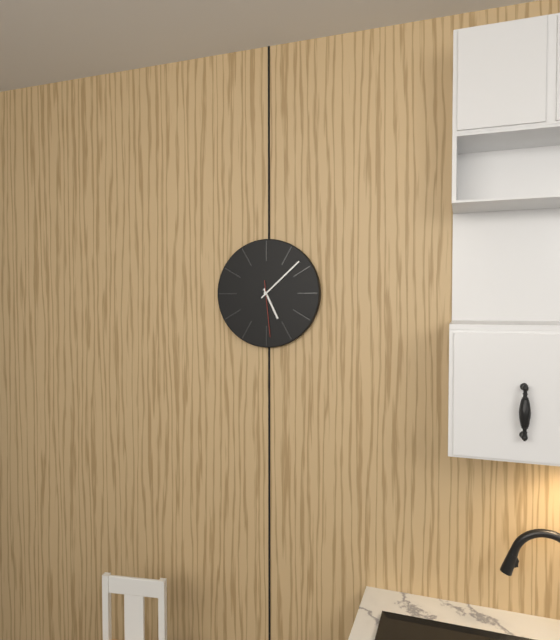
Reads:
5h08m29s
